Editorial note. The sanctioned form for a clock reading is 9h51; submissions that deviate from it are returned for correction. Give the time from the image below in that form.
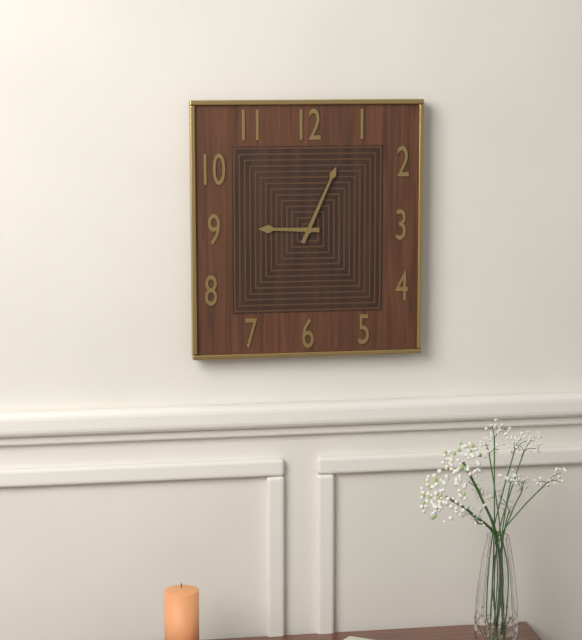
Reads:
9h04
